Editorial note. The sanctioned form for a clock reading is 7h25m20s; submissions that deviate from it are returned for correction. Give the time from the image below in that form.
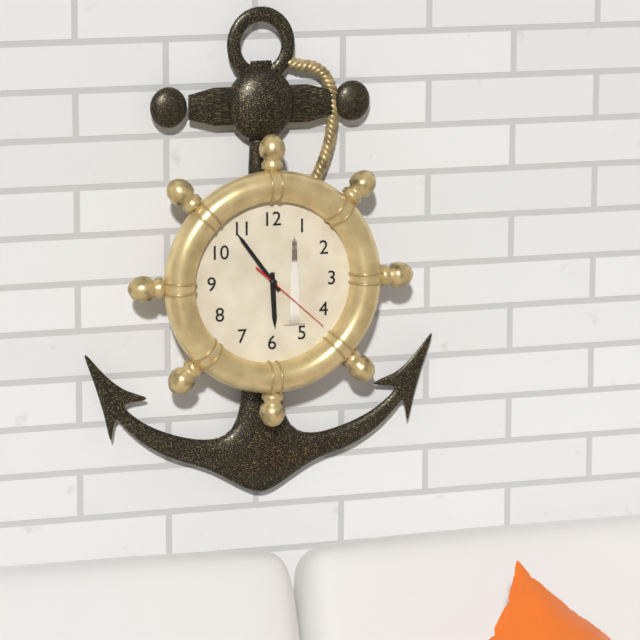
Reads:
5h54m22s
